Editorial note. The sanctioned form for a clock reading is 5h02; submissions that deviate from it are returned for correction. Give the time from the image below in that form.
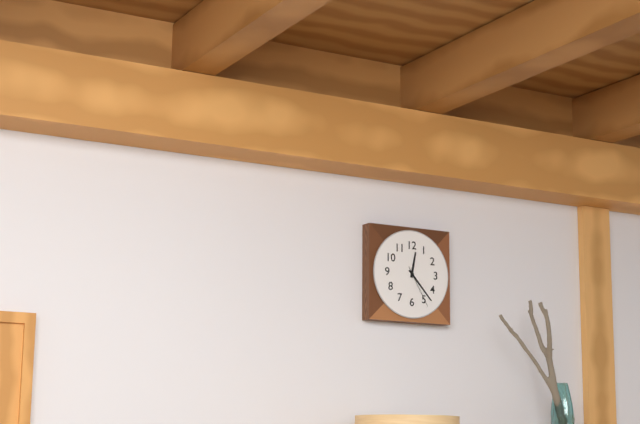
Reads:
12h23
